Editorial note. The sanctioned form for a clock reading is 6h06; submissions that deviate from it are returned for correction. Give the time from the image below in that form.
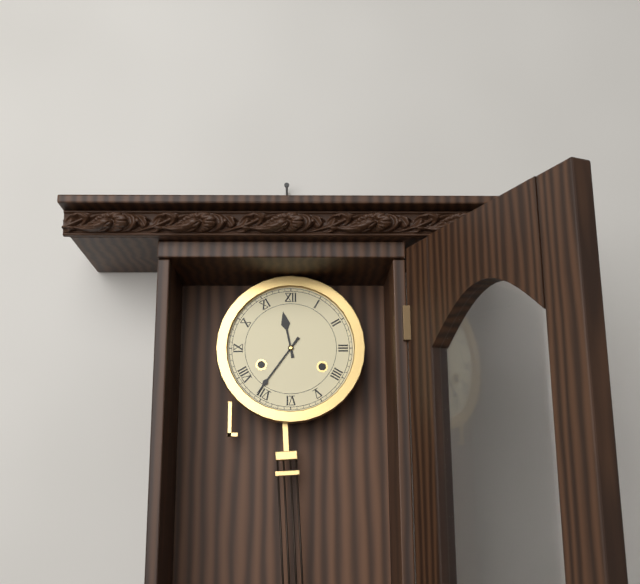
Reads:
11h36
